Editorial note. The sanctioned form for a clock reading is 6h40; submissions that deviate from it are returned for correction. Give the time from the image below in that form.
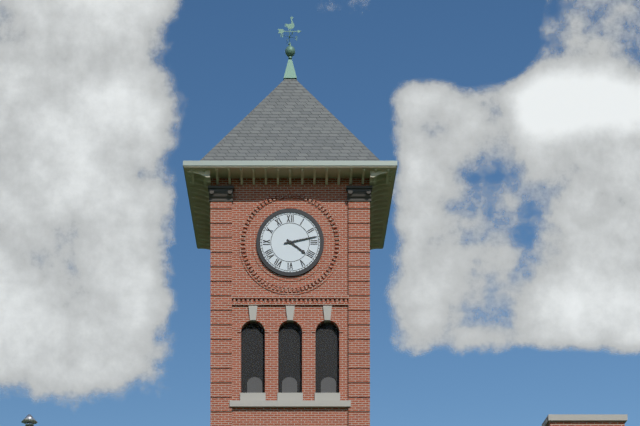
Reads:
4h13
